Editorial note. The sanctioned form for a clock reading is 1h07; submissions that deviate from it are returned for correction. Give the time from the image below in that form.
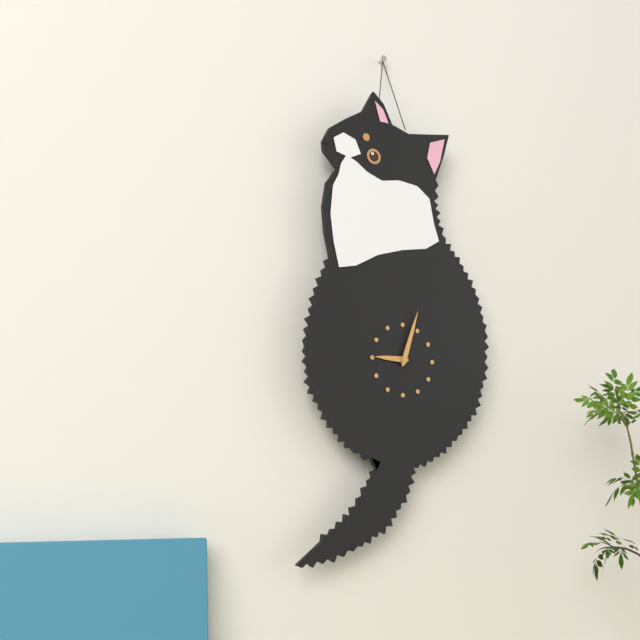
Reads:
9h03
